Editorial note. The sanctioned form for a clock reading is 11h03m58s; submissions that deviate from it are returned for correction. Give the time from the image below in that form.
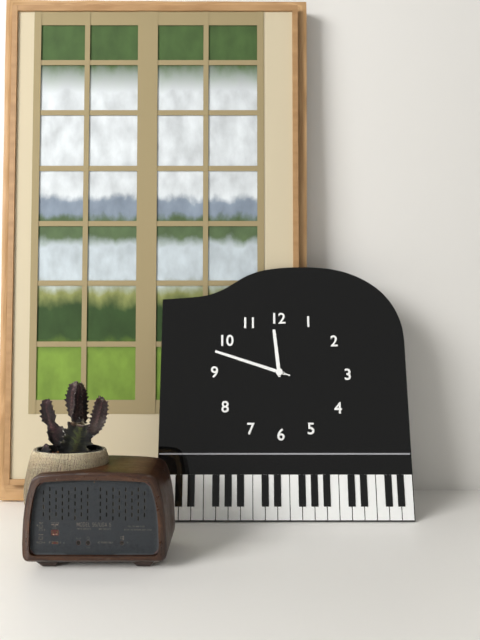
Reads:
11h48m48s
